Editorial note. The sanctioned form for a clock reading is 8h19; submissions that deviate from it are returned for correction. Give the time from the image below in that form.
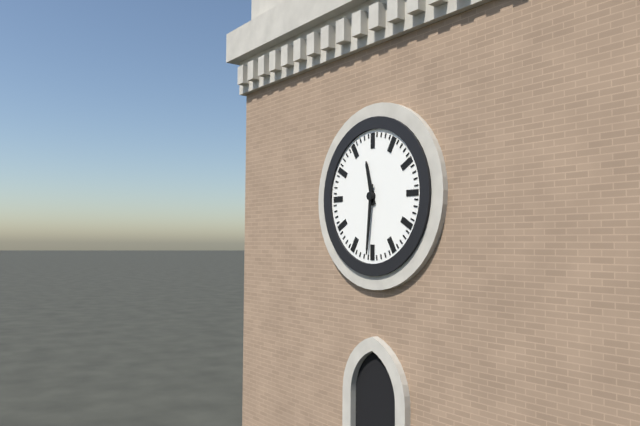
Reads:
11h31
